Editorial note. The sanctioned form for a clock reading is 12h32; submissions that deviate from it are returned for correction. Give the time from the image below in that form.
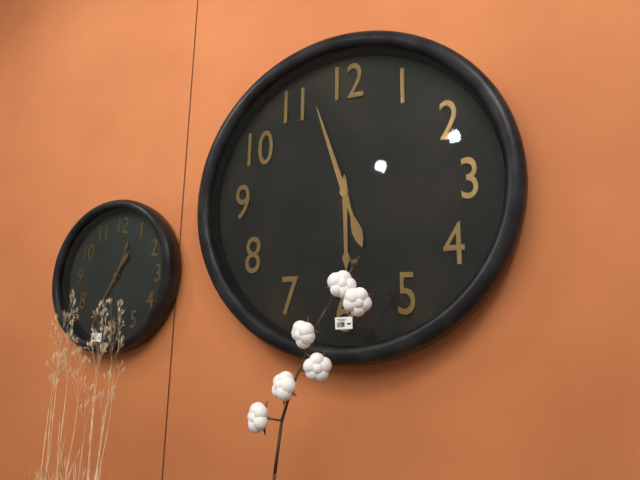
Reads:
5h57
